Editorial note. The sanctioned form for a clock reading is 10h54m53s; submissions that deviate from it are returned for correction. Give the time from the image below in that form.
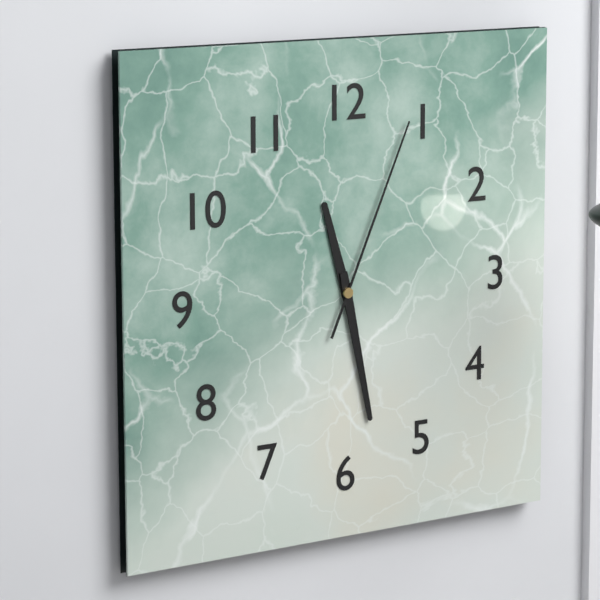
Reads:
11h28m04s
